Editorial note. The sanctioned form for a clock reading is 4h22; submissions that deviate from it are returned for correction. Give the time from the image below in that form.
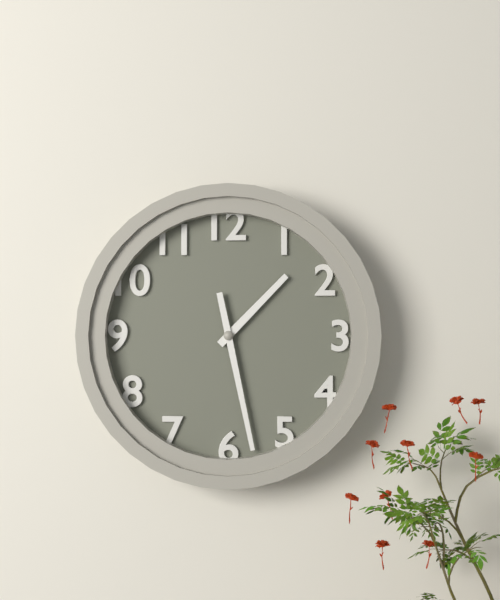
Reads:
1h28
